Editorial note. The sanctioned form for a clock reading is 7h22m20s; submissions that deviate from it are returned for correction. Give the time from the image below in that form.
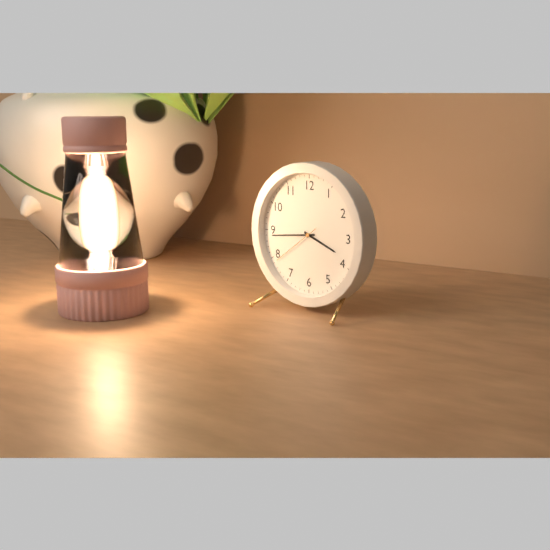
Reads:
3h44m39s
